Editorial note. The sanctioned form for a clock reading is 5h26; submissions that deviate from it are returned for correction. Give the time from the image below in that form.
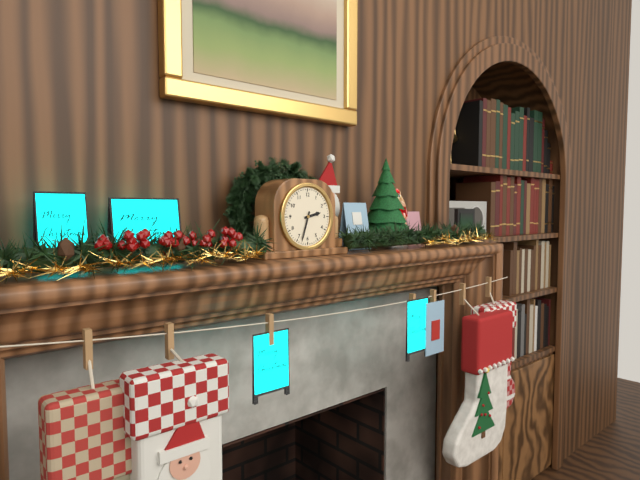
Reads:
2h33
